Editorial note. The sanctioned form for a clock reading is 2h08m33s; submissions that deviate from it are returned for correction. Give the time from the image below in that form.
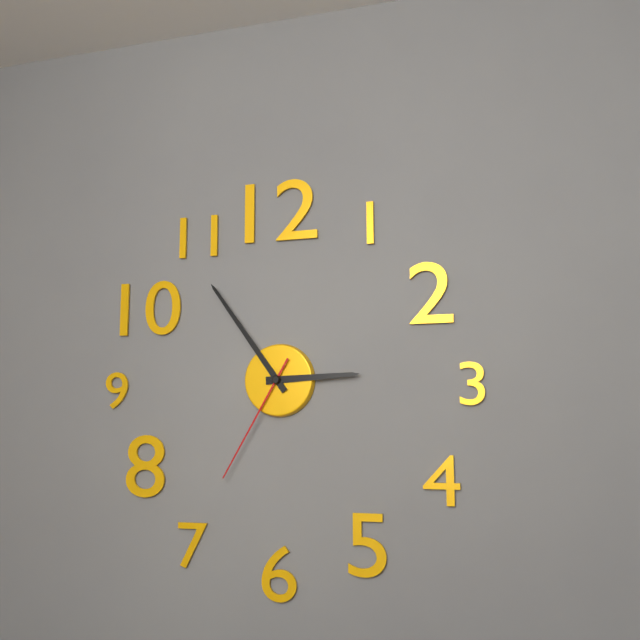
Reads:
2h54m35s
